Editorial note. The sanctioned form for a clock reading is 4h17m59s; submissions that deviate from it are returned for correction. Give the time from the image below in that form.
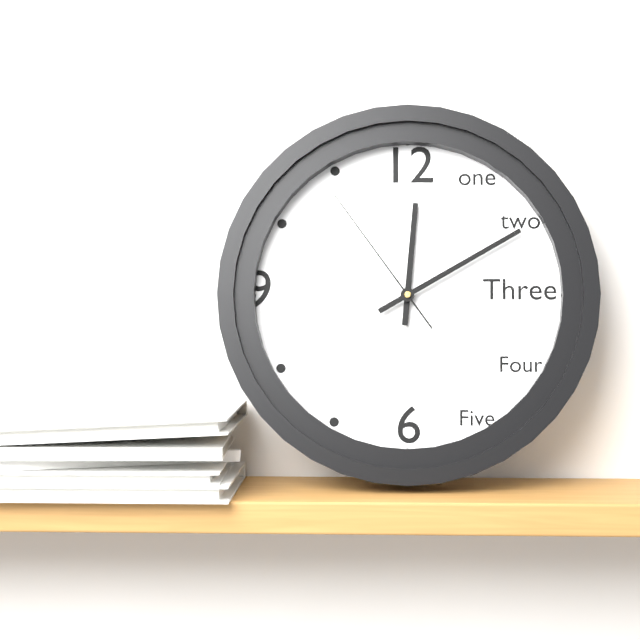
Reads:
12h10m54s
